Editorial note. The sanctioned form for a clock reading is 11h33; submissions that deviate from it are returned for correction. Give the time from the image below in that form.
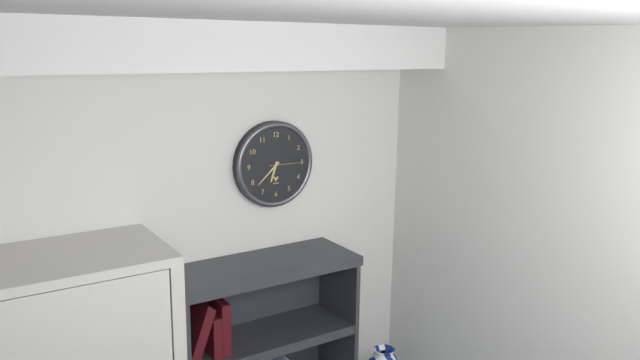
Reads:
6h38
